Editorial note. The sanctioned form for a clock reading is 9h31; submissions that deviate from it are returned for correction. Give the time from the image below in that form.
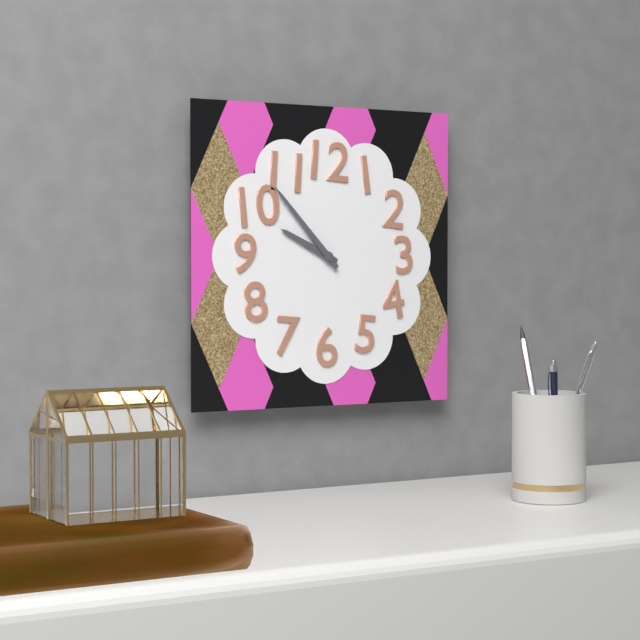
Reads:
9h53
